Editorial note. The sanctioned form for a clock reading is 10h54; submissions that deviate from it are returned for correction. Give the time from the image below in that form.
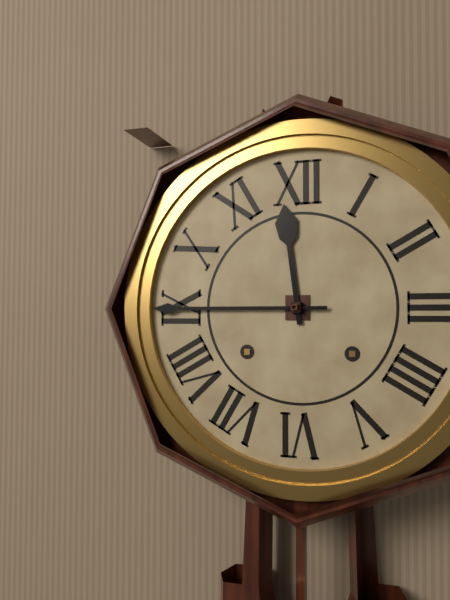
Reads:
11h45
